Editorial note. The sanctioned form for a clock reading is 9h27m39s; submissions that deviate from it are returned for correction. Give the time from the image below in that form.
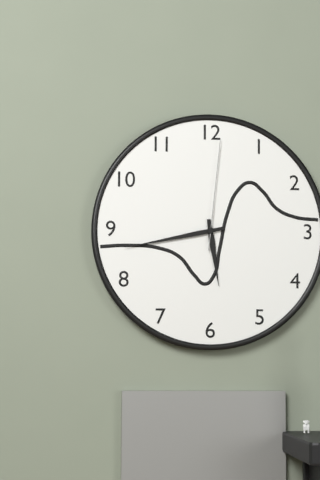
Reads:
5h43m01s
